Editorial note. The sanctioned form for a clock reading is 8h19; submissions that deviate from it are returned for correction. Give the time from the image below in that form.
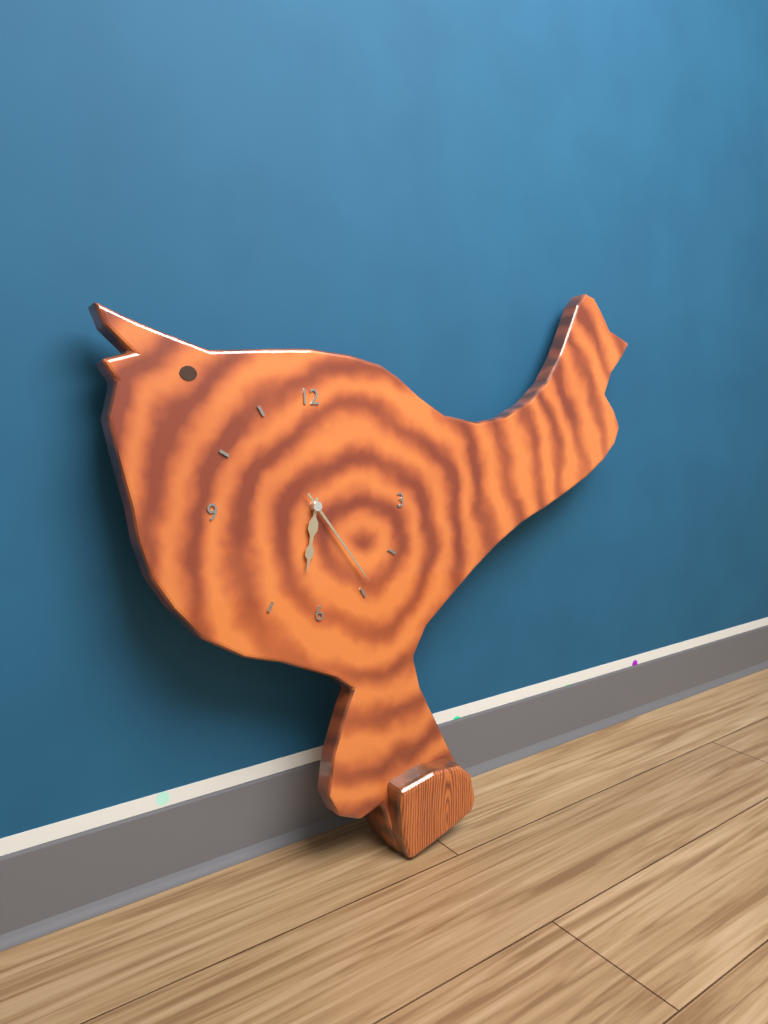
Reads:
6h24
